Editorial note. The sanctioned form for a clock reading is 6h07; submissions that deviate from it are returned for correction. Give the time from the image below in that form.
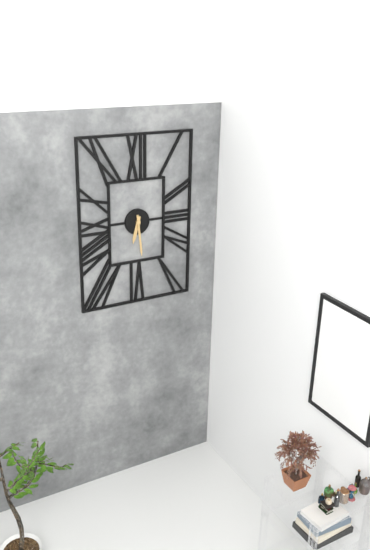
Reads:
6h29
